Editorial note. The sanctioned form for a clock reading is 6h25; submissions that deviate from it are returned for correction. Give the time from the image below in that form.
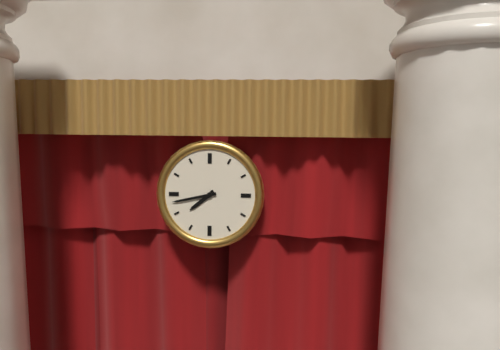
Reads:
7h43
